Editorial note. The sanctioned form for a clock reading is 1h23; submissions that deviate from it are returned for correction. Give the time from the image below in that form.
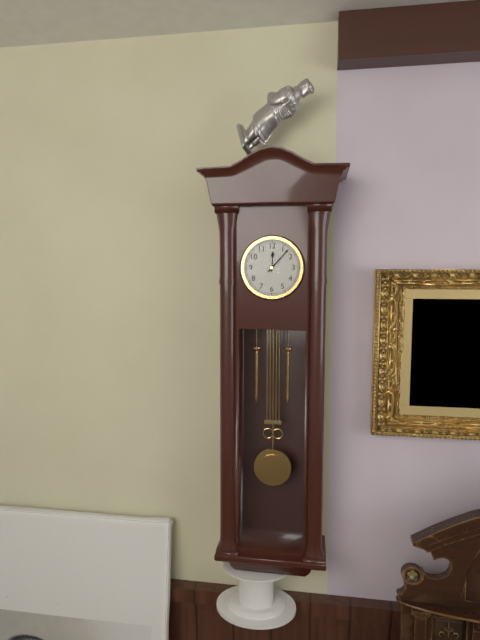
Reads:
12h07
